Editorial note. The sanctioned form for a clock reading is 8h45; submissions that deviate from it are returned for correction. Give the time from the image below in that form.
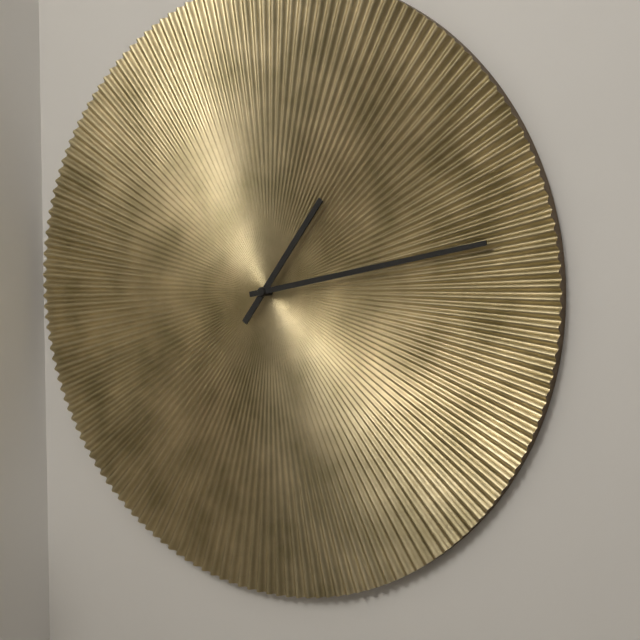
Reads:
1h13
